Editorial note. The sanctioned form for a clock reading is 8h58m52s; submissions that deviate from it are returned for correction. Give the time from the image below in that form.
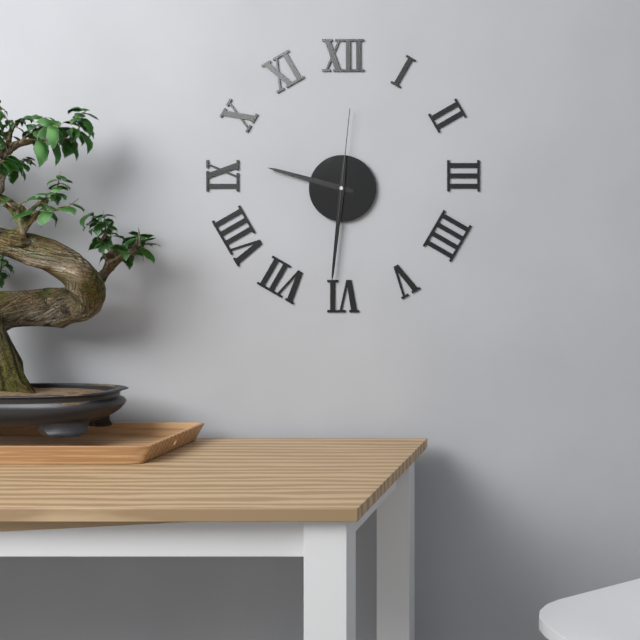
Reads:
9h31m01s
